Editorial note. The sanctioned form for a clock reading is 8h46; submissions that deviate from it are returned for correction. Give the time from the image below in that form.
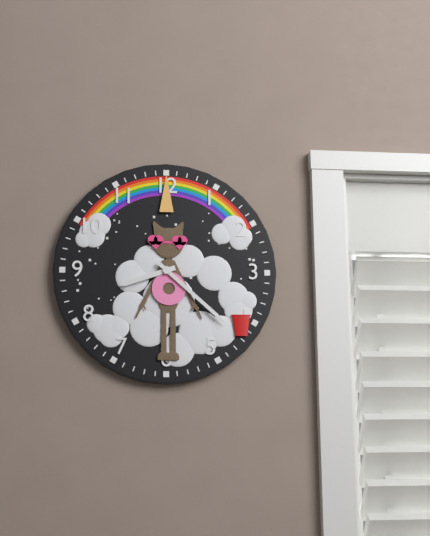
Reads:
8h22
